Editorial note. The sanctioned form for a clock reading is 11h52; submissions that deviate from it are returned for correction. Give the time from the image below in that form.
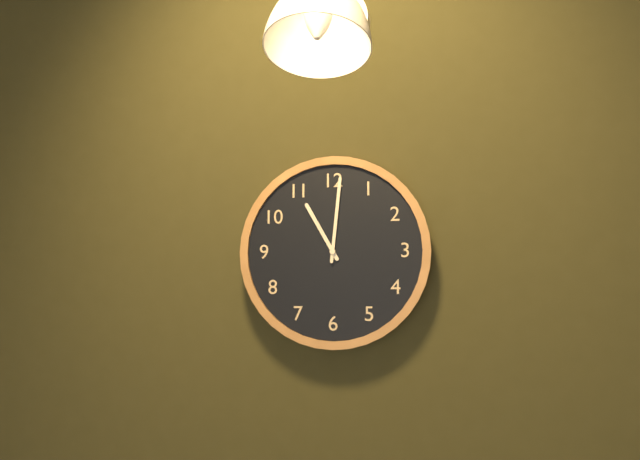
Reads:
11h01
